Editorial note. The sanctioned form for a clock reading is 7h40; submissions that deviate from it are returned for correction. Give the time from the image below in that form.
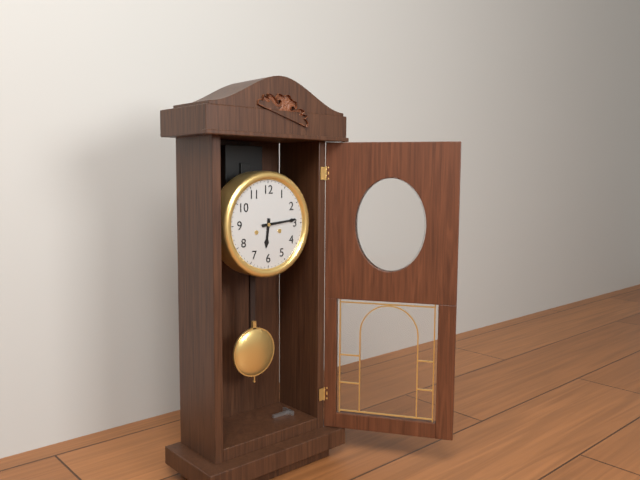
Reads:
6h14
